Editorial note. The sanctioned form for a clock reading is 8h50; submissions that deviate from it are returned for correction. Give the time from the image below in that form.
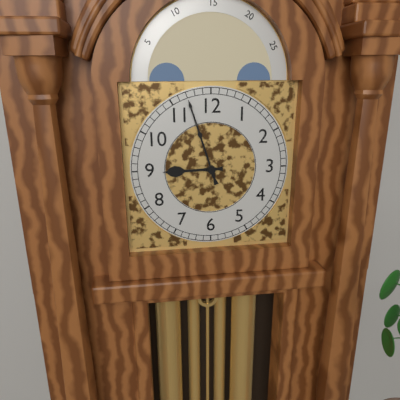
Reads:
8h57
